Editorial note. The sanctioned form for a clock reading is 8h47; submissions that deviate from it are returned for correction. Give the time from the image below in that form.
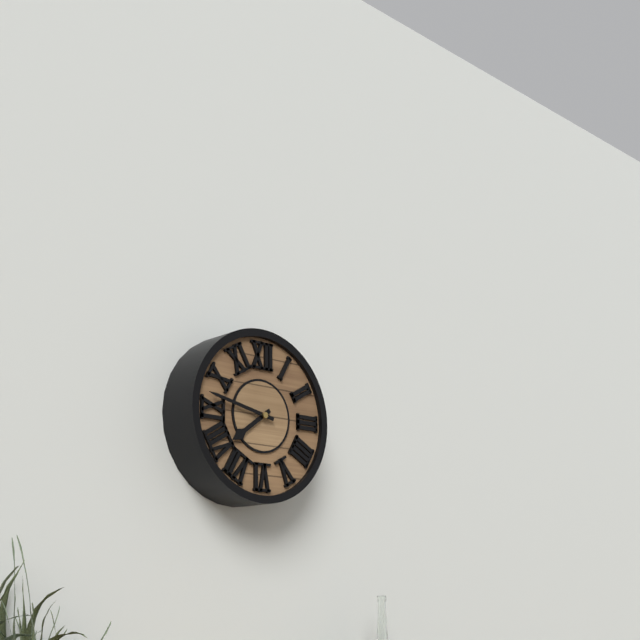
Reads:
7h47
